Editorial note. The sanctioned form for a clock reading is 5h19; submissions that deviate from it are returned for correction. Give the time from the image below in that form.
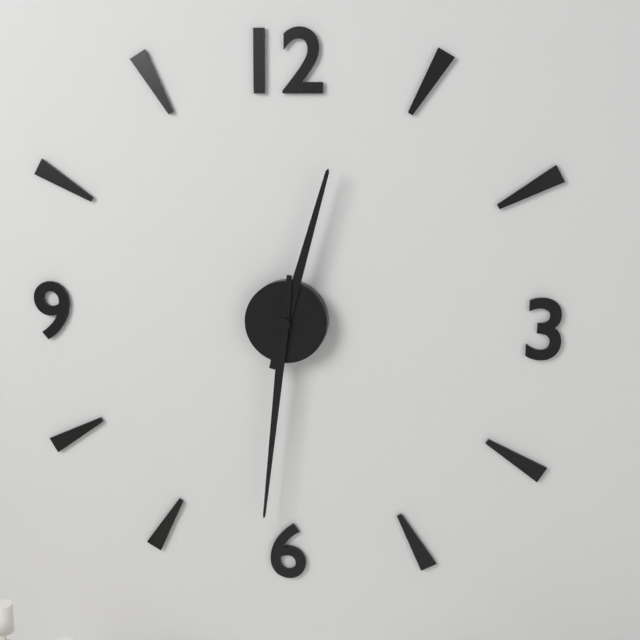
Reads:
12h31
